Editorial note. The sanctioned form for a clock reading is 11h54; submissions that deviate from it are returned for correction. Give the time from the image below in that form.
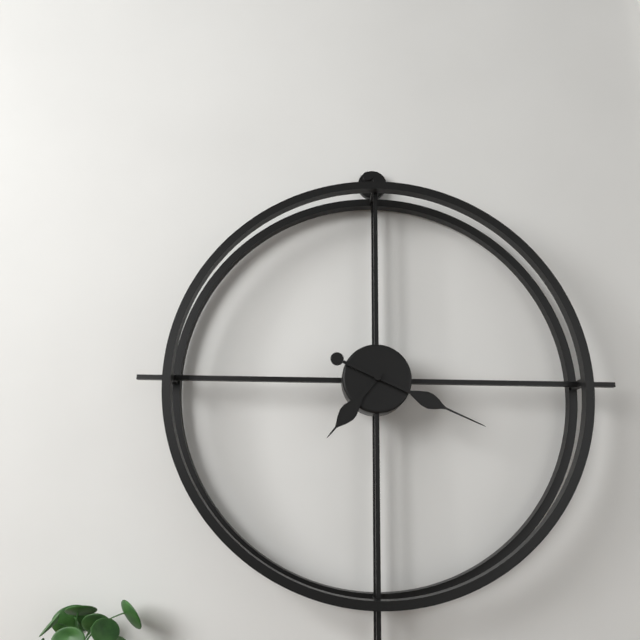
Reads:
7h19
